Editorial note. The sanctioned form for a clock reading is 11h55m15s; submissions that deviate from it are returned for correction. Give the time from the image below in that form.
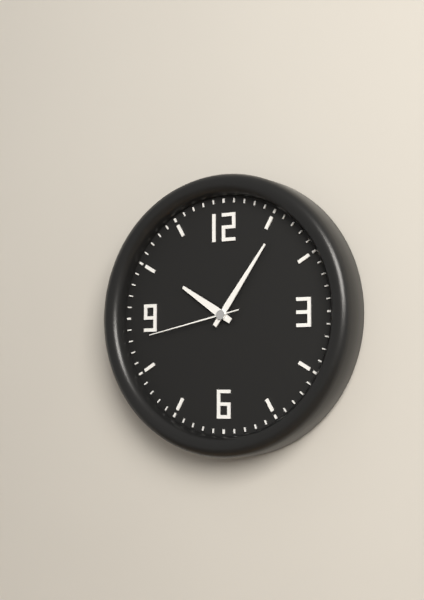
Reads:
10h06m43s
